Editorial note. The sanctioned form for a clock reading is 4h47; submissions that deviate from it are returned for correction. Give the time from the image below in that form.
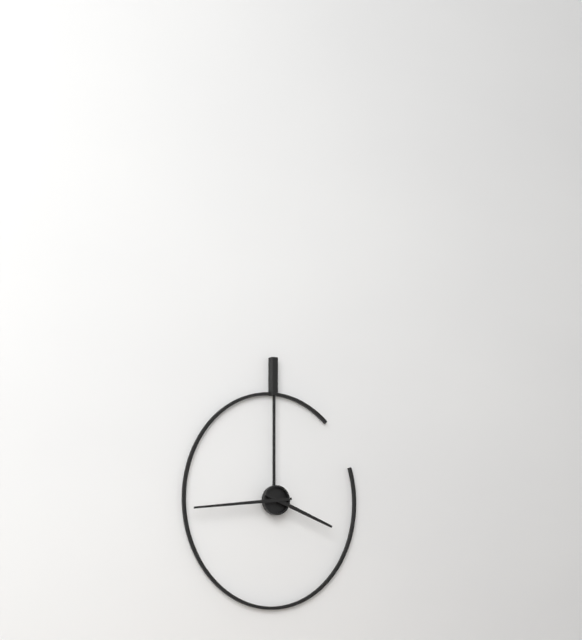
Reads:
3h44
